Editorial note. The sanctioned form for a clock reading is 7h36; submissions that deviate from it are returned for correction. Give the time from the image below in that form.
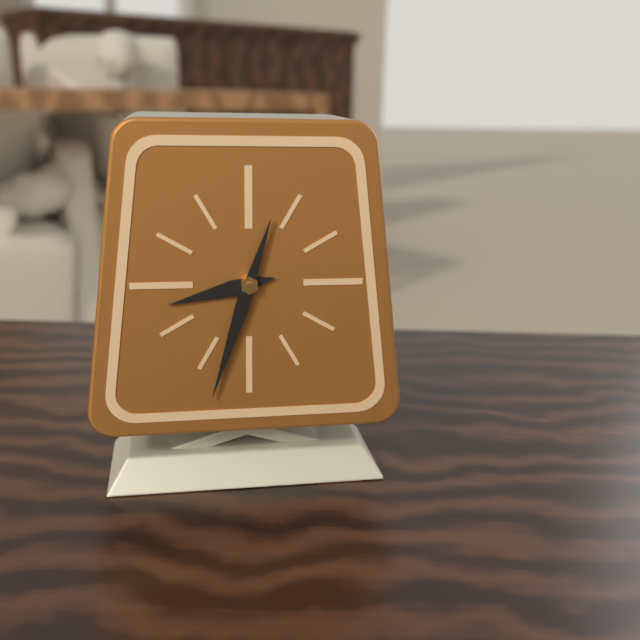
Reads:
8h33
